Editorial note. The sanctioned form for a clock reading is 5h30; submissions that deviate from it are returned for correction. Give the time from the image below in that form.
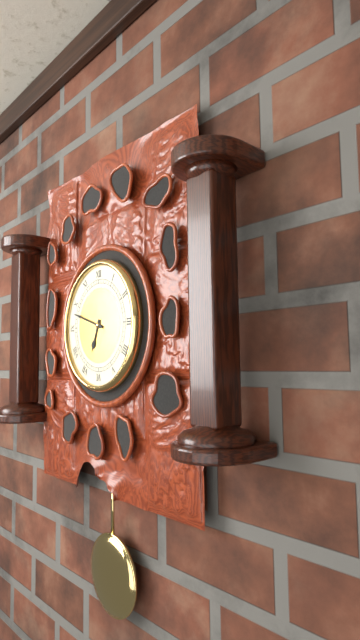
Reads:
6h48
